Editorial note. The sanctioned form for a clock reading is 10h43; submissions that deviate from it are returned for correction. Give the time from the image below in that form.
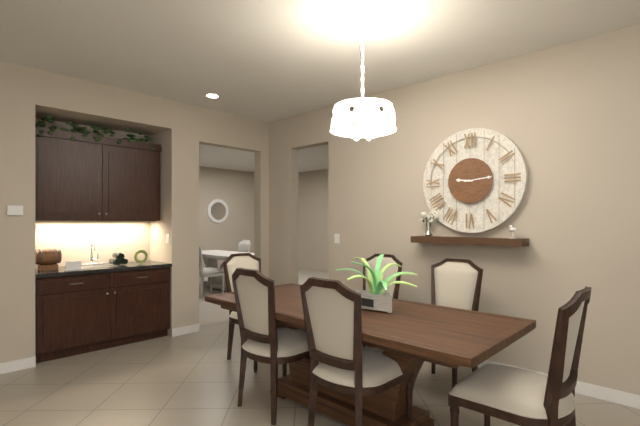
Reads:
9h14
